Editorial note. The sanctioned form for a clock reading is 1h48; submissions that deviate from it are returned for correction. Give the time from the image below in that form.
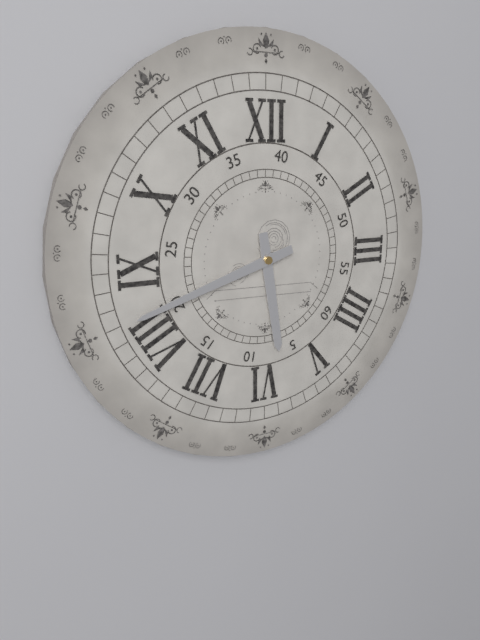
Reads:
5h42
